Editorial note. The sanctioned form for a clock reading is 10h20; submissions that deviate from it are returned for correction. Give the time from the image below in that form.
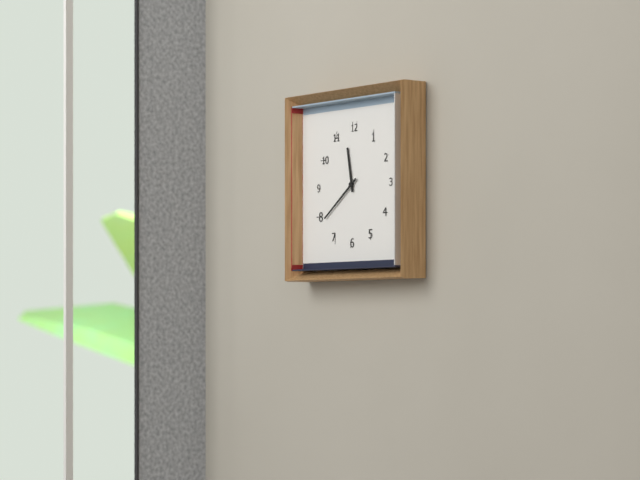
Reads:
11h39
